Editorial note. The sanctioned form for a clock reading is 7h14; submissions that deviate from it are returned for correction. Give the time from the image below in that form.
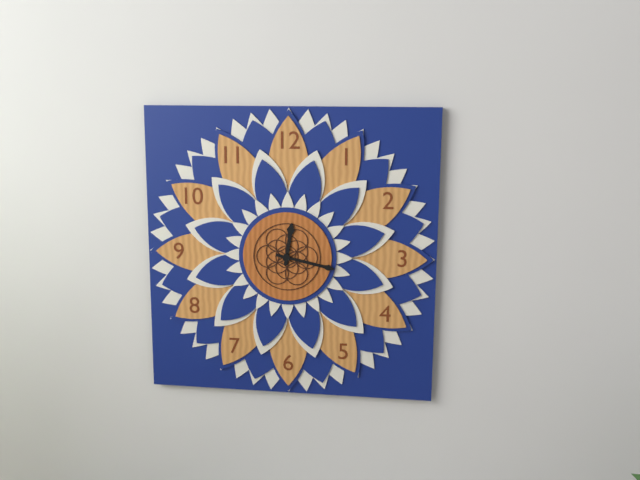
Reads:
12h17
